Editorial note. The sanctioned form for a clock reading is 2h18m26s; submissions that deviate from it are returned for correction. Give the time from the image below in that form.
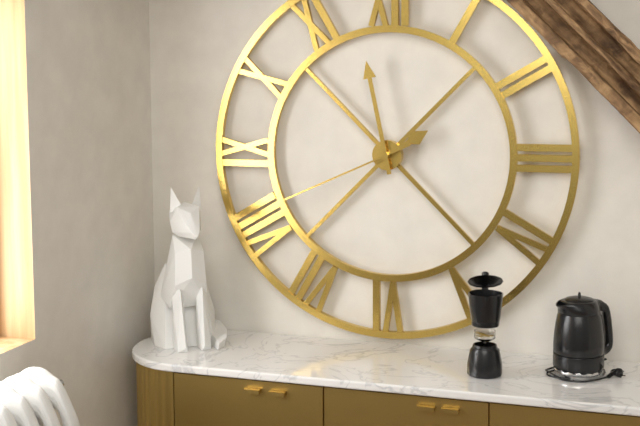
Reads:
1h58m41s
